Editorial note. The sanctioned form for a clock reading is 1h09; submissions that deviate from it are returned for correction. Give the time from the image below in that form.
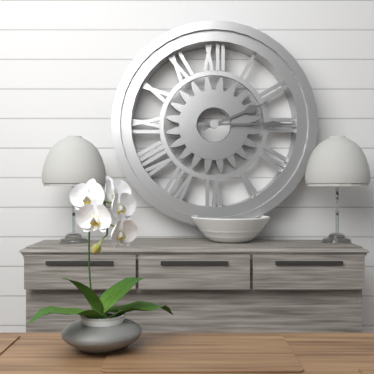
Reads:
2h15
